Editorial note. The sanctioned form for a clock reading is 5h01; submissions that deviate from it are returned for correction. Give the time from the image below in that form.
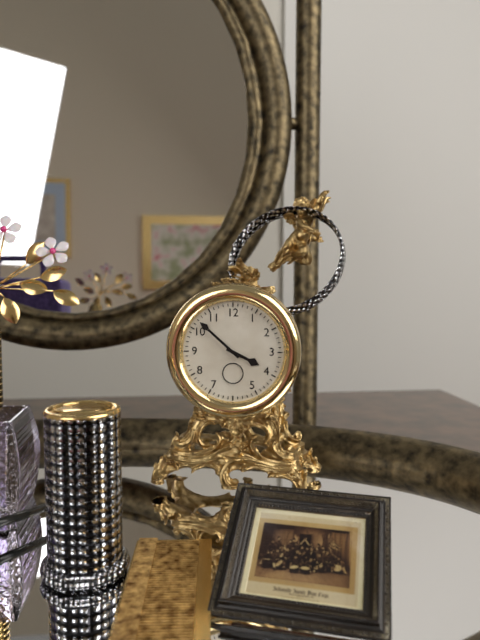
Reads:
3h52
